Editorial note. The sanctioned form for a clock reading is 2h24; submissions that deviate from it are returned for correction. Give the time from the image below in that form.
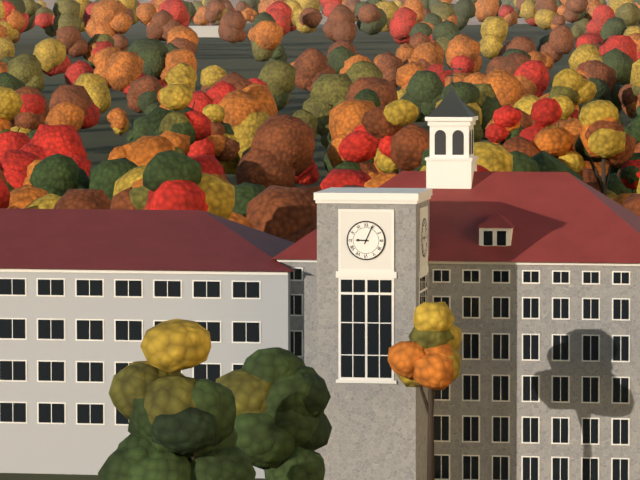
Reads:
9h04
